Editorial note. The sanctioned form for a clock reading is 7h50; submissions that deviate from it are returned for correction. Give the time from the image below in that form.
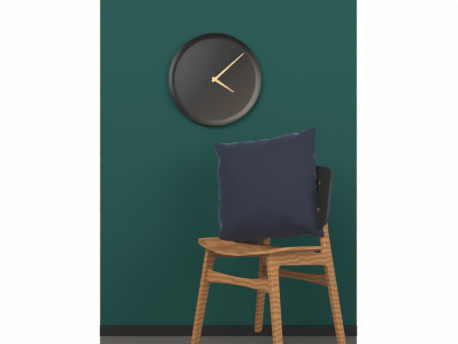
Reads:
4h08
